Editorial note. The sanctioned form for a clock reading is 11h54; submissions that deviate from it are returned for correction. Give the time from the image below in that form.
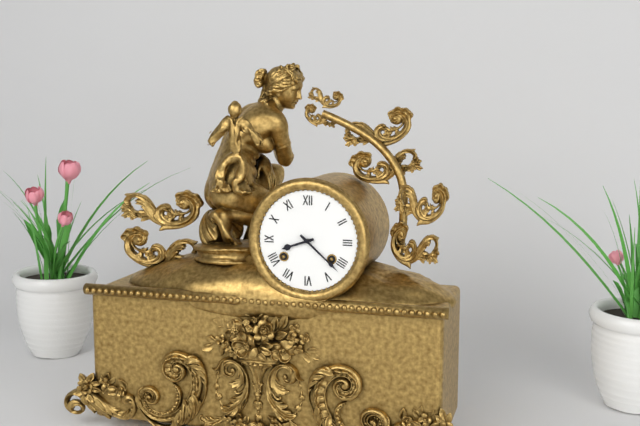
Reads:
8h22
